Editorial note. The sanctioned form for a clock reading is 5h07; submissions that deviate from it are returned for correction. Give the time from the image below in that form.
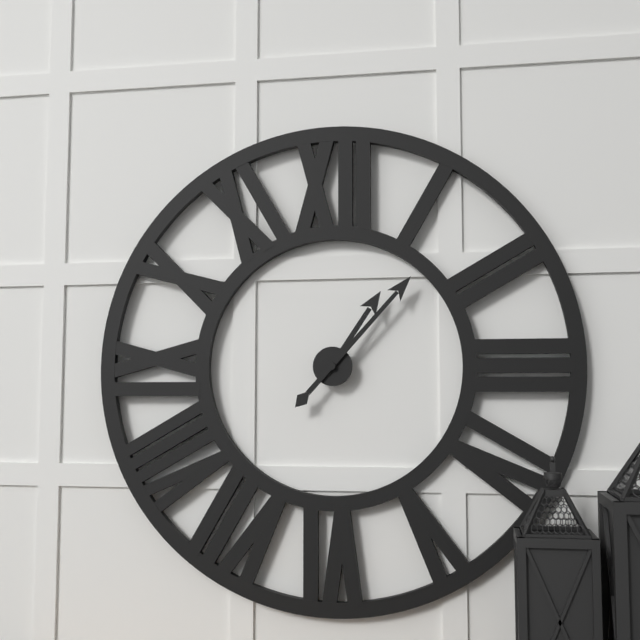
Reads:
1h07
